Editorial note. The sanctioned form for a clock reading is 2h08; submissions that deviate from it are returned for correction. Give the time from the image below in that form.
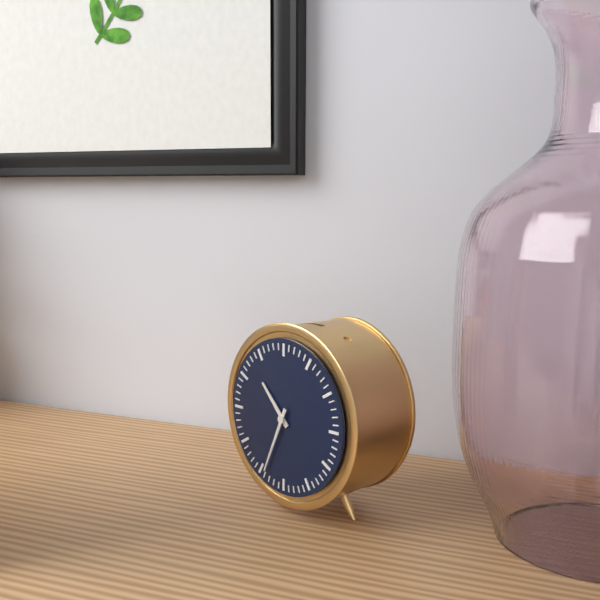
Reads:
10h34
